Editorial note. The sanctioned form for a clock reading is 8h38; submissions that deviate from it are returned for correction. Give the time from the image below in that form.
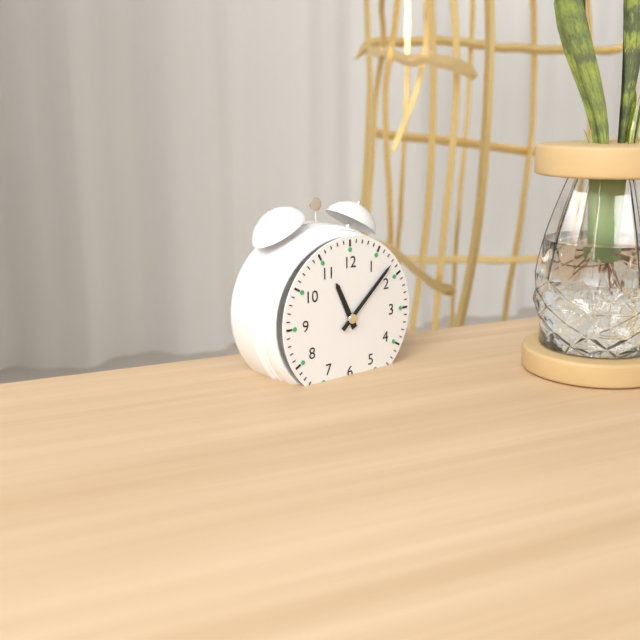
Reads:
11h08
